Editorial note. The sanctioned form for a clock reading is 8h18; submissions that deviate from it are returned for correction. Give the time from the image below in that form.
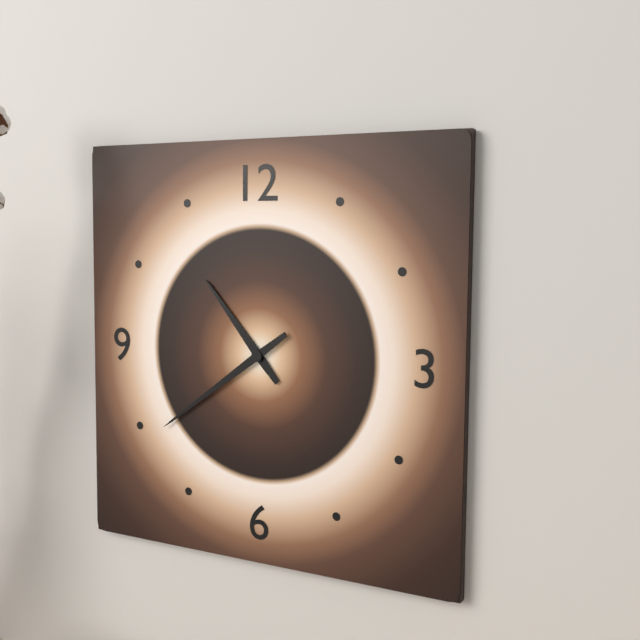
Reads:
10h39
